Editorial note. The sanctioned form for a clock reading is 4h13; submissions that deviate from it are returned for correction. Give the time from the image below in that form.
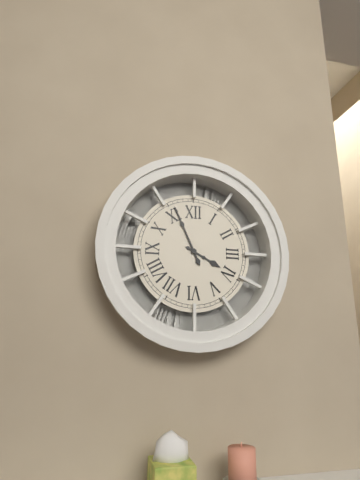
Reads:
3h56
